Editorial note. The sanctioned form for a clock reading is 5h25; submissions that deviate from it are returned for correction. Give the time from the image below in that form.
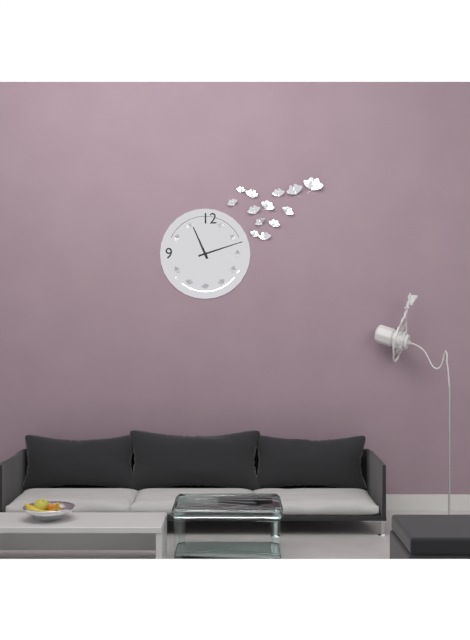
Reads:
11h12
